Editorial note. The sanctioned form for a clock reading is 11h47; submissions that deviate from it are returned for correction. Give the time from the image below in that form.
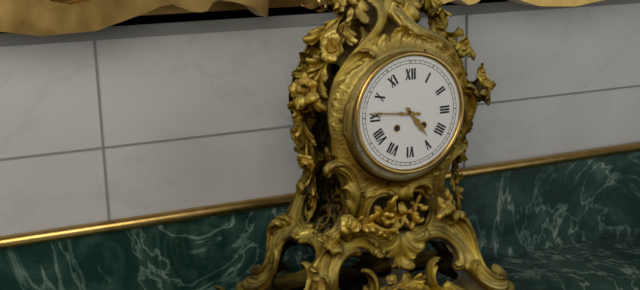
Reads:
4h46
